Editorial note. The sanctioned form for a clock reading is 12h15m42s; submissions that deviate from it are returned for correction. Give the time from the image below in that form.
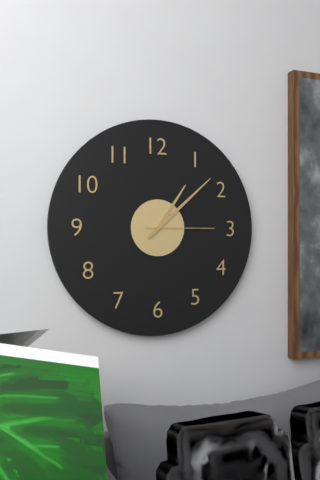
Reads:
1h08m15s
